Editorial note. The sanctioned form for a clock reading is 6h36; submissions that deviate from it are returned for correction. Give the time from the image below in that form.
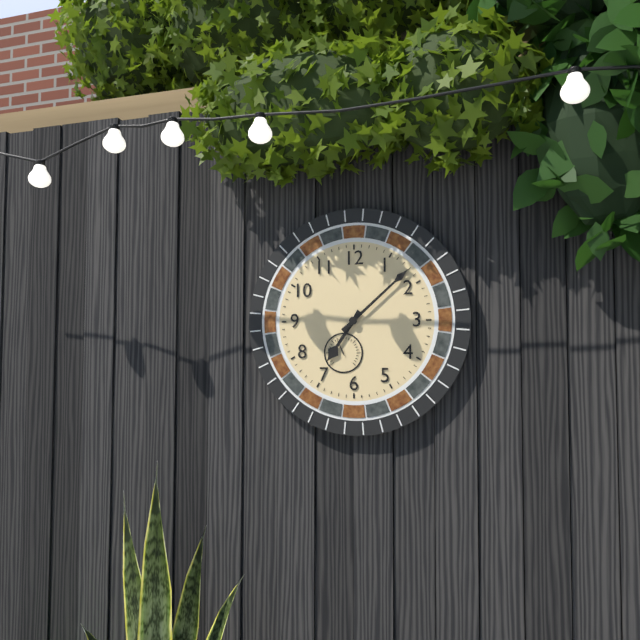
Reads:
7h08
